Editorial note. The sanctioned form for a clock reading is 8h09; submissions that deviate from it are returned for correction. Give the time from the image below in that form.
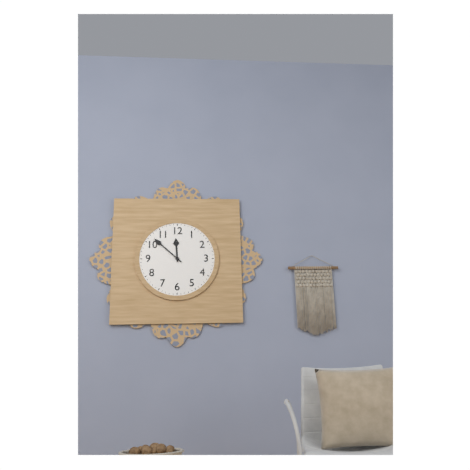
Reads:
11h52
